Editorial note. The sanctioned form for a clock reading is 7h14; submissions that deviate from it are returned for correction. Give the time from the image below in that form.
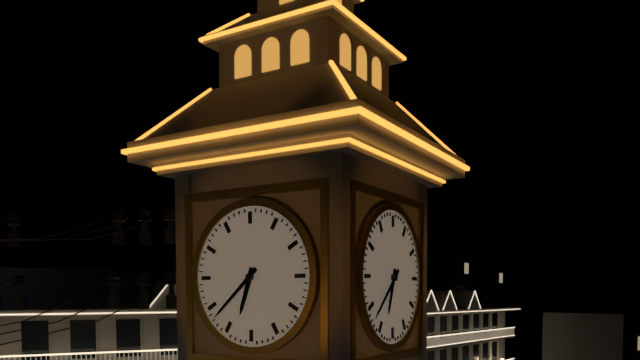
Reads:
6h38
